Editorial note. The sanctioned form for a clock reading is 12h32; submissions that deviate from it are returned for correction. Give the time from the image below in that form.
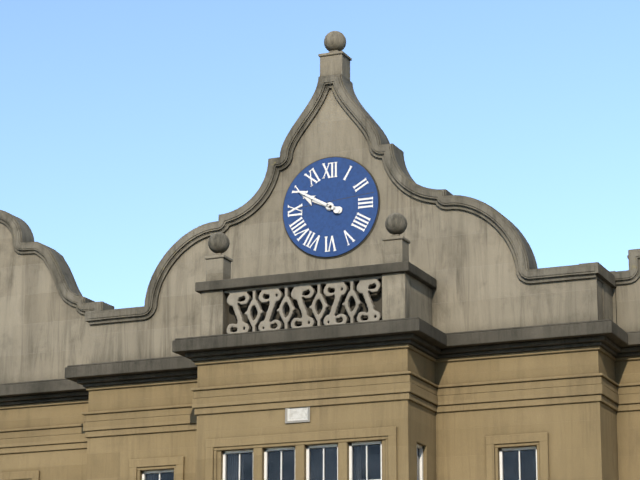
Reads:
9h50
